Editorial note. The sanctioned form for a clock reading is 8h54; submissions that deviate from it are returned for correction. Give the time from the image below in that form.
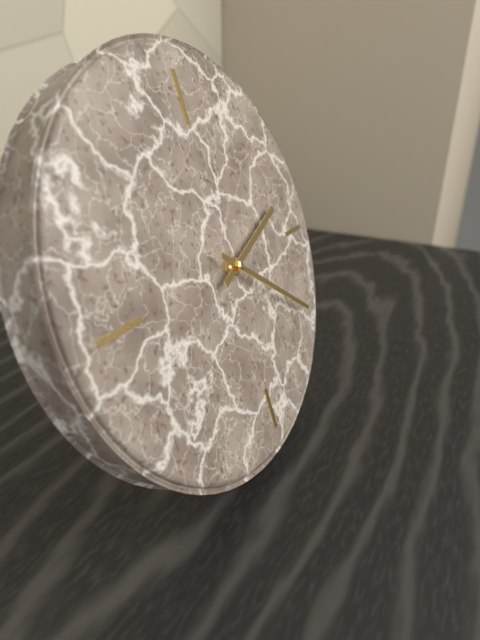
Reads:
2h21
